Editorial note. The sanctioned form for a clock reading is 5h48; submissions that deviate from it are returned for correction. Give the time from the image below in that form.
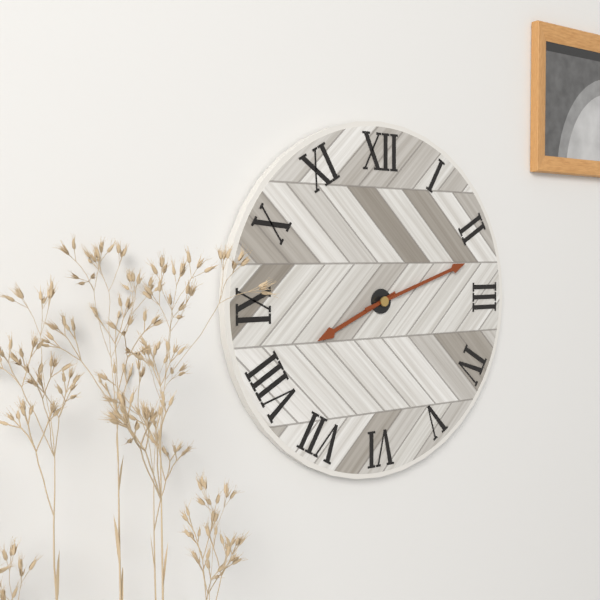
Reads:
8h12
